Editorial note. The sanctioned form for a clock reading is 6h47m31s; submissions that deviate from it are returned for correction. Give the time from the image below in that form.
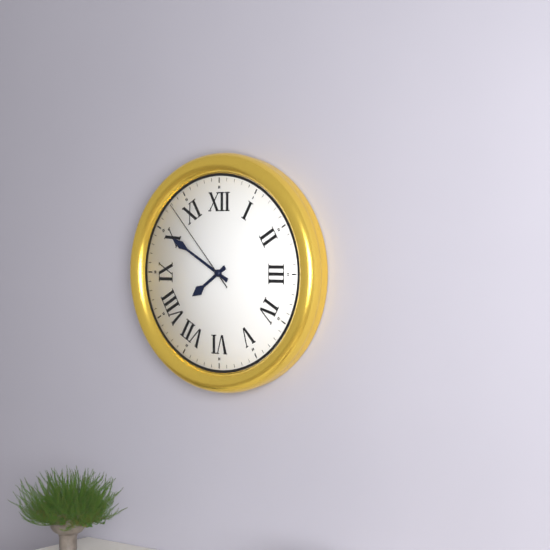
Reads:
7h50m53s
